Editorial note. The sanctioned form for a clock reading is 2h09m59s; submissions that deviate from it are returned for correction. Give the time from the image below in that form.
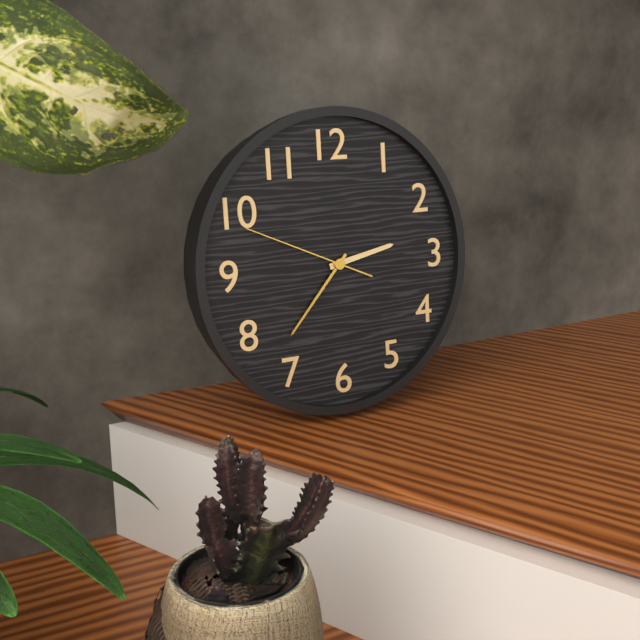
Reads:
2h37m49s
